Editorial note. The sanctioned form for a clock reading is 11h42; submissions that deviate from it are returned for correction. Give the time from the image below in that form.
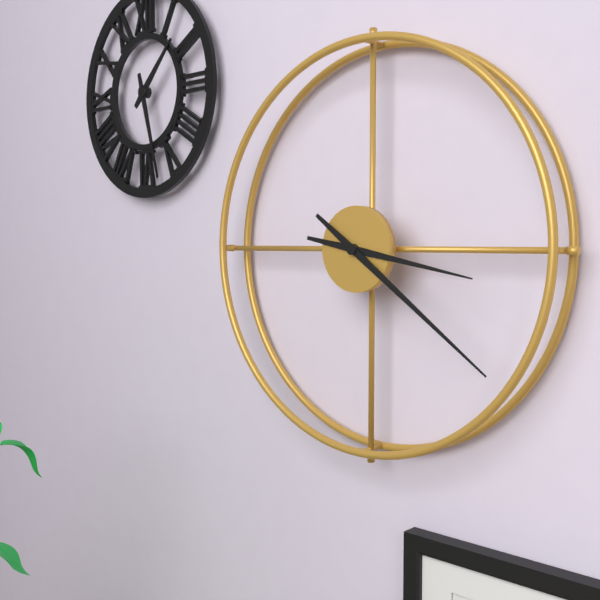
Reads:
3h21
